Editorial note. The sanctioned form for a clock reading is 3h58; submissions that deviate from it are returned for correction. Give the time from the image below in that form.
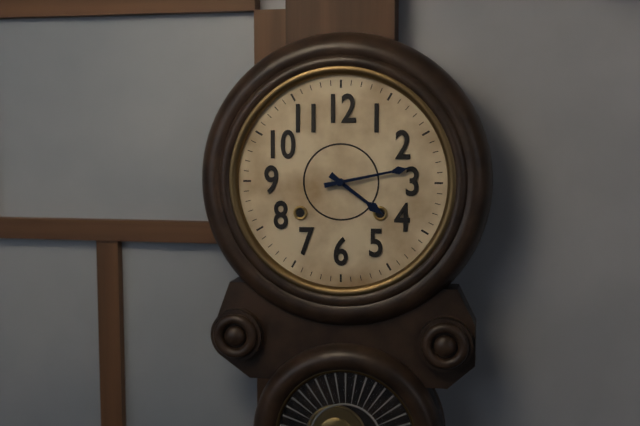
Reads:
4h13
